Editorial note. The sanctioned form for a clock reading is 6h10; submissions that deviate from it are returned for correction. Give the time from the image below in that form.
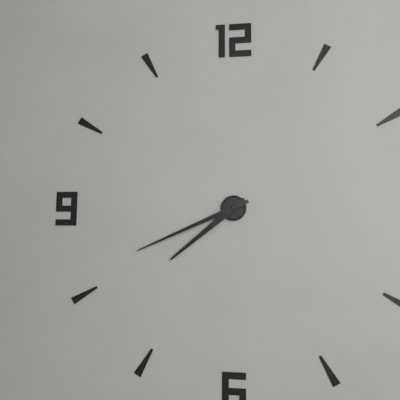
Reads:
7h41
